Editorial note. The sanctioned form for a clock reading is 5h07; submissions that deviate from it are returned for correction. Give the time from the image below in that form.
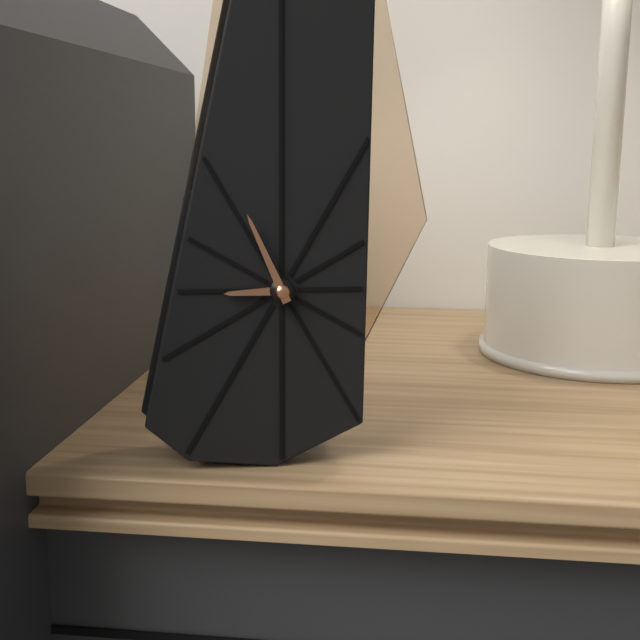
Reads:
8h56
